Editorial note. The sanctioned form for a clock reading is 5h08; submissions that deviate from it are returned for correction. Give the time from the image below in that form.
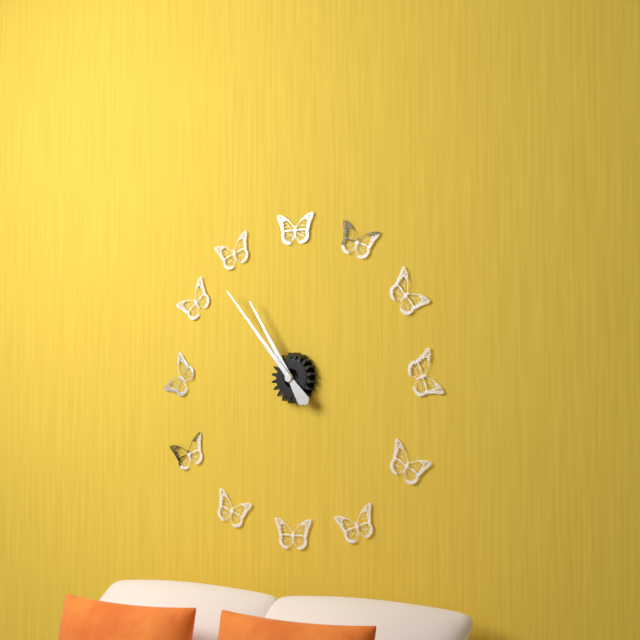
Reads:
10h53
